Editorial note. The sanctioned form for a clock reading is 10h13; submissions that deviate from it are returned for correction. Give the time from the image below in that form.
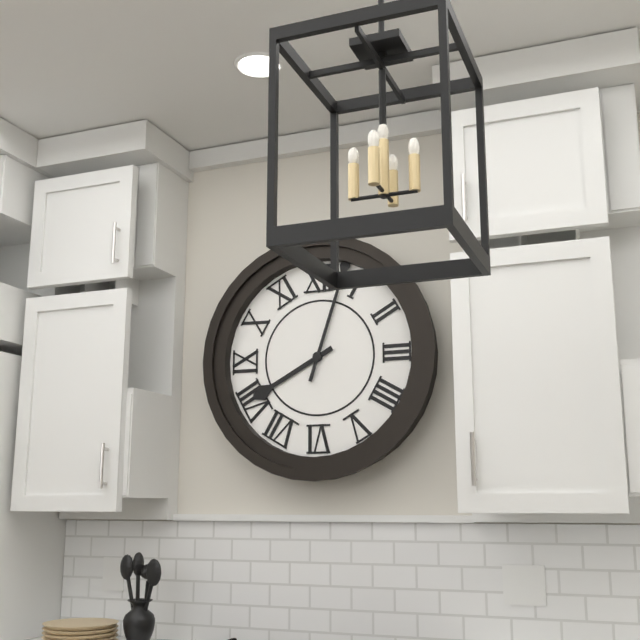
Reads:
8h03
